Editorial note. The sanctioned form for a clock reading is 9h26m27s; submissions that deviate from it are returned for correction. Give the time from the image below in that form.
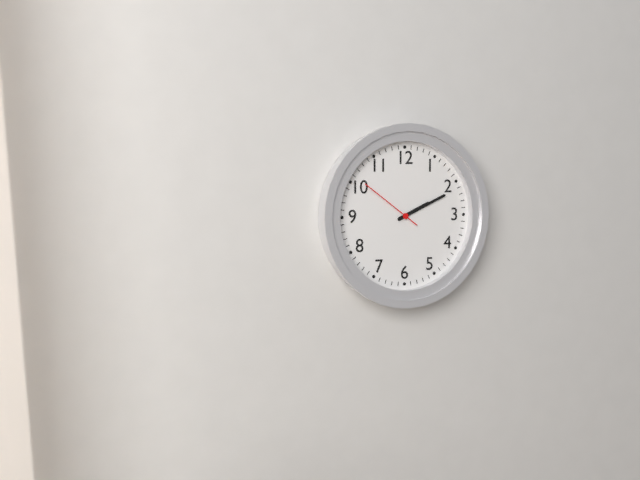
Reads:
2h11m51s
